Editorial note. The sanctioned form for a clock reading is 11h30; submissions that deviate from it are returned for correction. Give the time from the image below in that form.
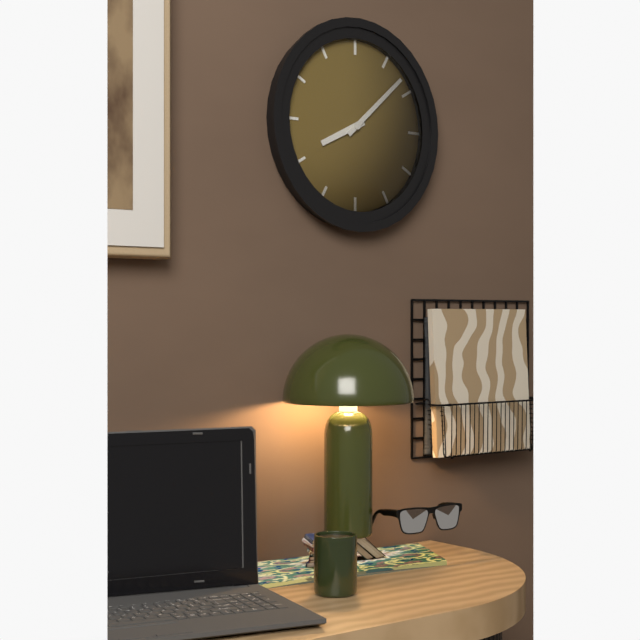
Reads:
8h08
